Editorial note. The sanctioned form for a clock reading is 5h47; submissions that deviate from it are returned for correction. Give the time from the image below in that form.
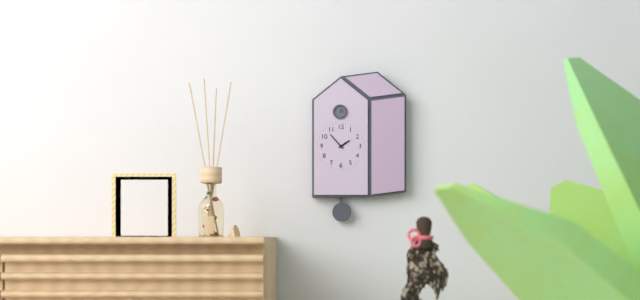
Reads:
1h53
